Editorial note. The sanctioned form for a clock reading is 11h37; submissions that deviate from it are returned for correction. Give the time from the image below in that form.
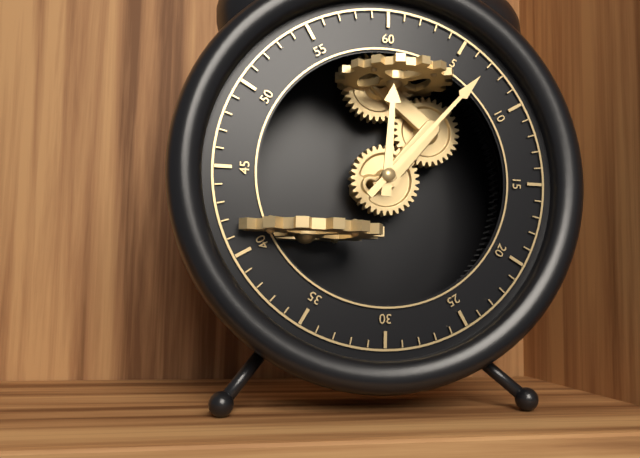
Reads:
12h07
